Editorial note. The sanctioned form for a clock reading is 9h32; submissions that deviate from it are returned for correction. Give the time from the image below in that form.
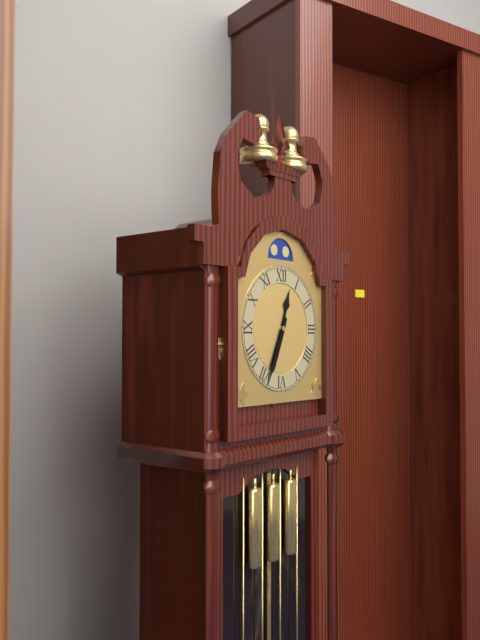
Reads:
12h34
